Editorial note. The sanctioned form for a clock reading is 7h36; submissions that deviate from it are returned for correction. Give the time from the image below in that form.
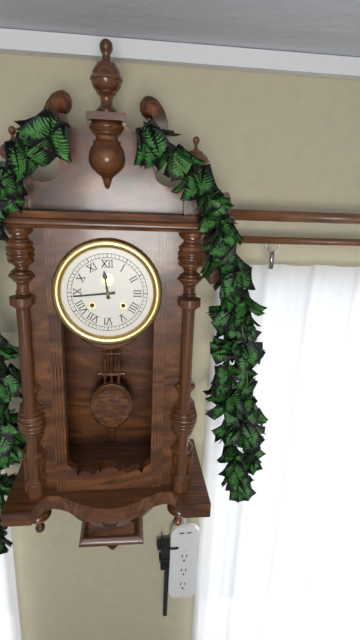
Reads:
11h44
